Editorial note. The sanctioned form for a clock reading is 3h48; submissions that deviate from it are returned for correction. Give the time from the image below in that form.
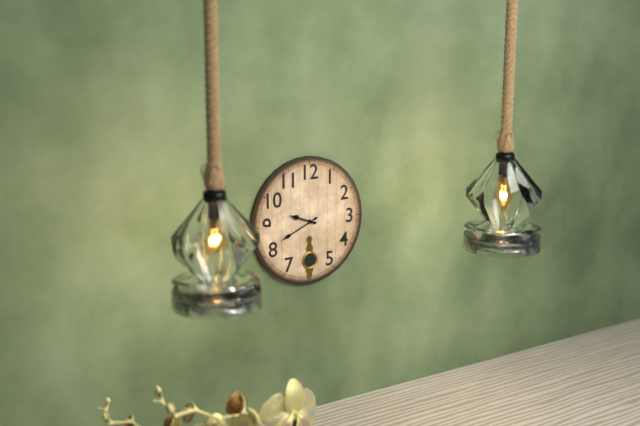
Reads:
9h41
